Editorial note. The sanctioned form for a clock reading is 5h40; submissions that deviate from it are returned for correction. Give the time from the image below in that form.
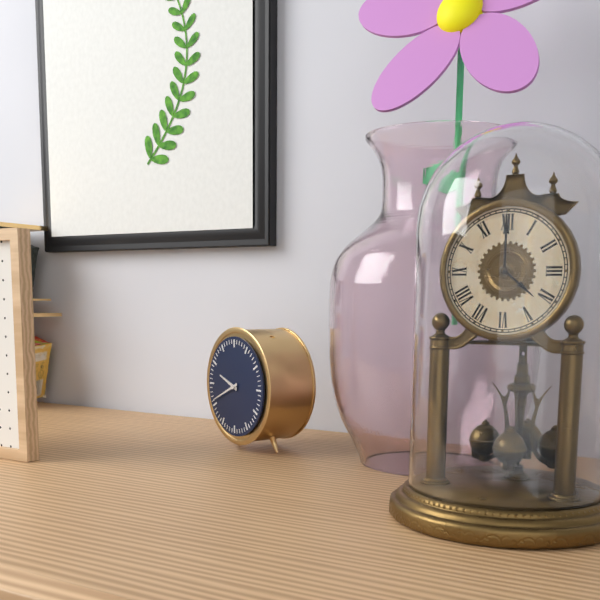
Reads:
9h41
